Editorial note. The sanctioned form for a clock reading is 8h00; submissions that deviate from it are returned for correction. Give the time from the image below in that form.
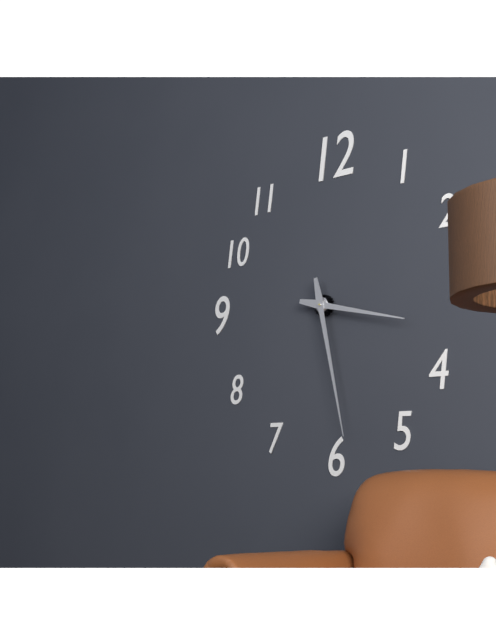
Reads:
3h28
